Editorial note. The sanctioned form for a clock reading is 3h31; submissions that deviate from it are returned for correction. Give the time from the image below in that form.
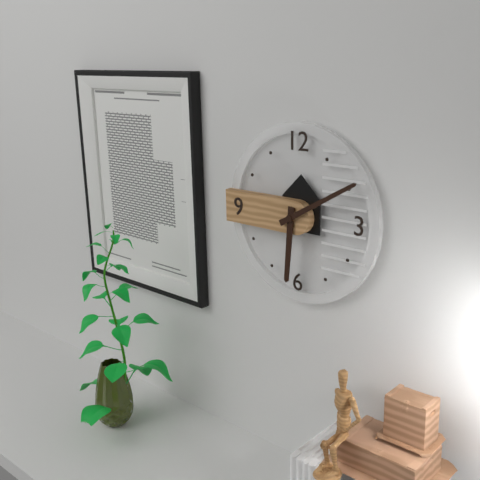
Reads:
6h10
